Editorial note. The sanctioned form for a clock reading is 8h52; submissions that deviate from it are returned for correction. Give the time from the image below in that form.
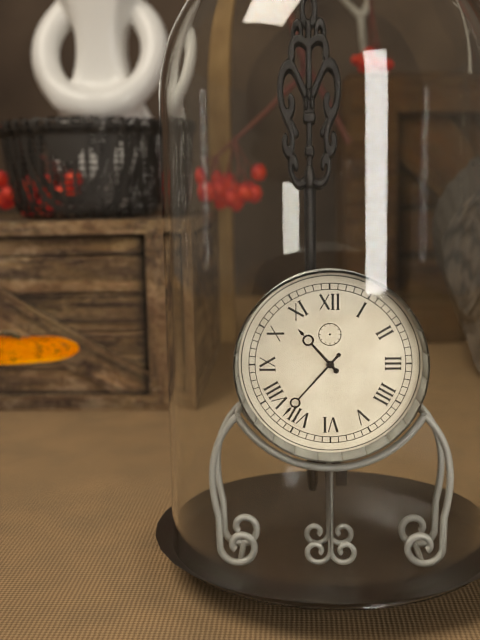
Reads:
10h37
